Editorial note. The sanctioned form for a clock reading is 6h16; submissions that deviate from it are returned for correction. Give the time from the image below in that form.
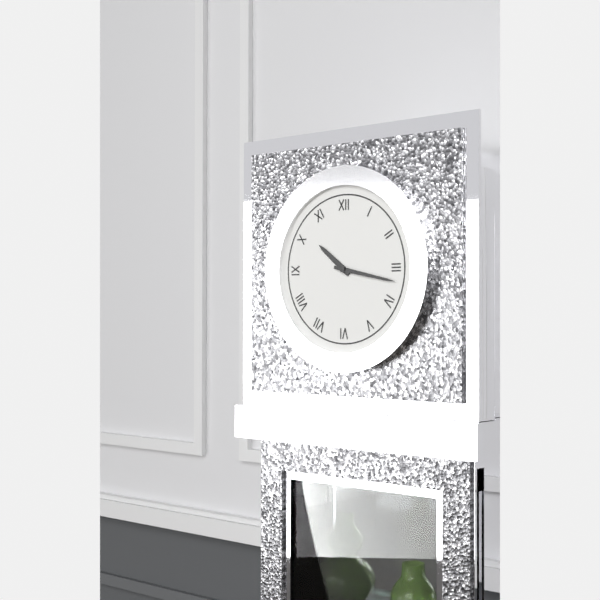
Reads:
10h17
